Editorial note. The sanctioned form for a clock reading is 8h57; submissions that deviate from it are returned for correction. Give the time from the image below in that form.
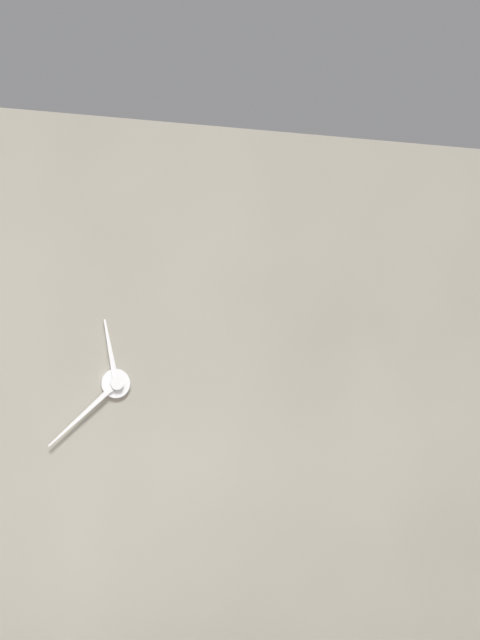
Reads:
11h38
